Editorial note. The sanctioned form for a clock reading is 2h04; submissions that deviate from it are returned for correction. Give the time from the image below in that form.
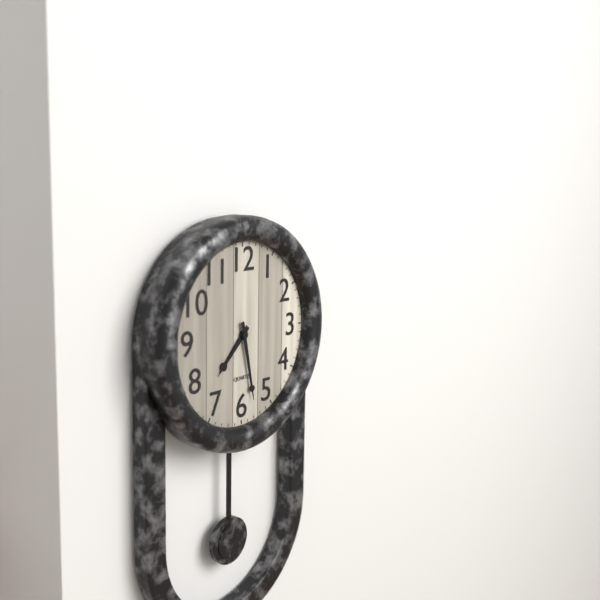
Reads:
7h28
